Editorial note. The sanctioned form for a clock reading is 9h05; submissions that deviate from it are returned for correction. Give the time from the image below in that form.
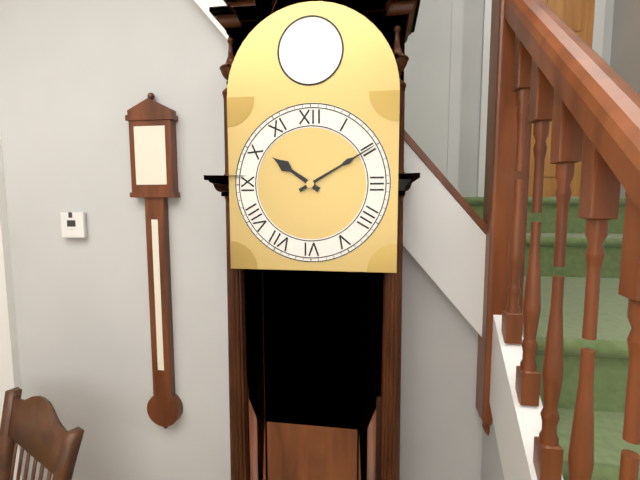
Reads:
10h10
